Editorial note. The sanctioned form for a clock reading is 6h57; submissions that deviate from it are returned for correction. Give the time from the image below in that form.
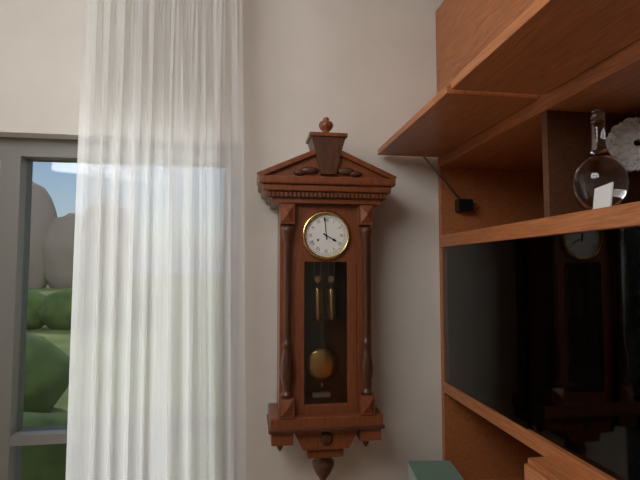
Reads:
3h59
